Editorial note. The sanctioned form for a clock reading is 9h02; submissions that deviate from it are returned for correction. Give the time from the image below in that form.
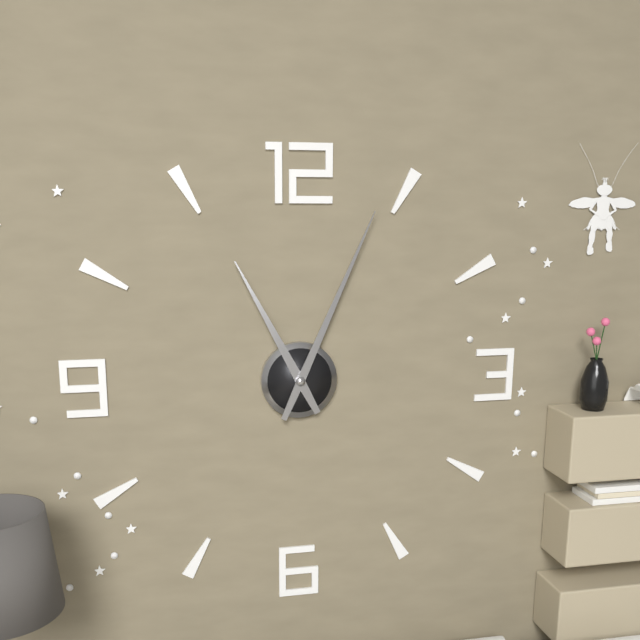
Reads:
11h04
